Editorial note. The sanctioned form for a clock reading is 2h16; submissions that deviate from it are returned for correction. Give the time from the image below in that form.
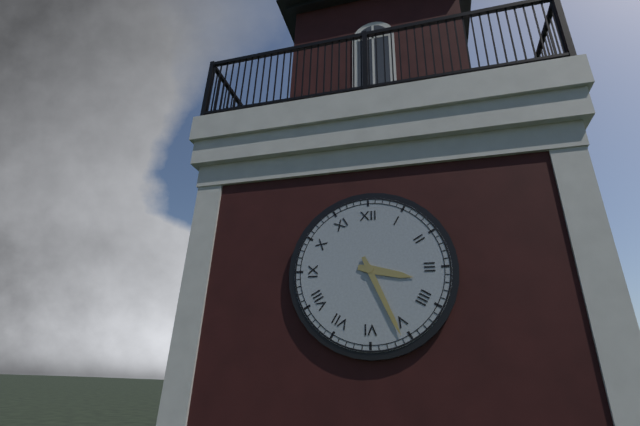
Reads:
3h26
